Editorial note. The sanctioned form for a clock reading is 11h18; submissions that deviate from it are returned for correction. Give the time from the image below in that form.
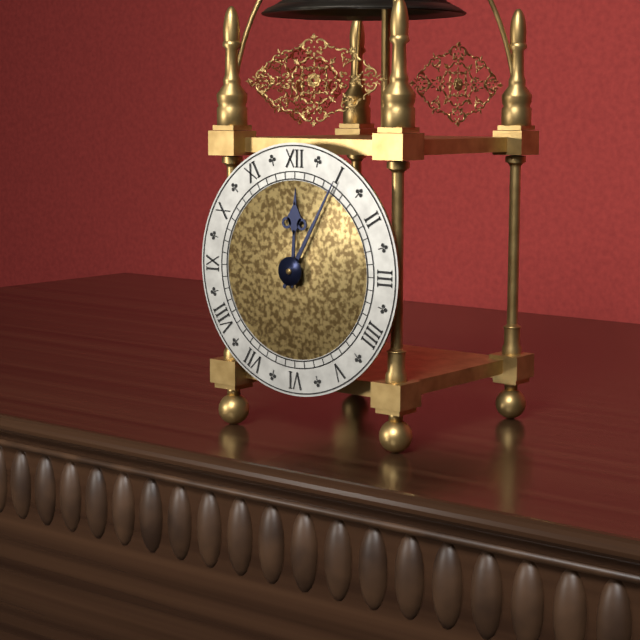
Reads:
12h05
